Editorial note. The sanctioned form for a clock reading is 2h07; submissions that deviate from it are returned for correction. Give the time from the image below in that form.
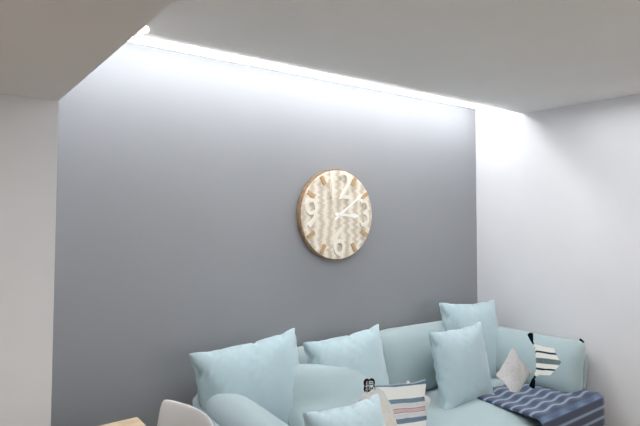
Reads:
3h09
